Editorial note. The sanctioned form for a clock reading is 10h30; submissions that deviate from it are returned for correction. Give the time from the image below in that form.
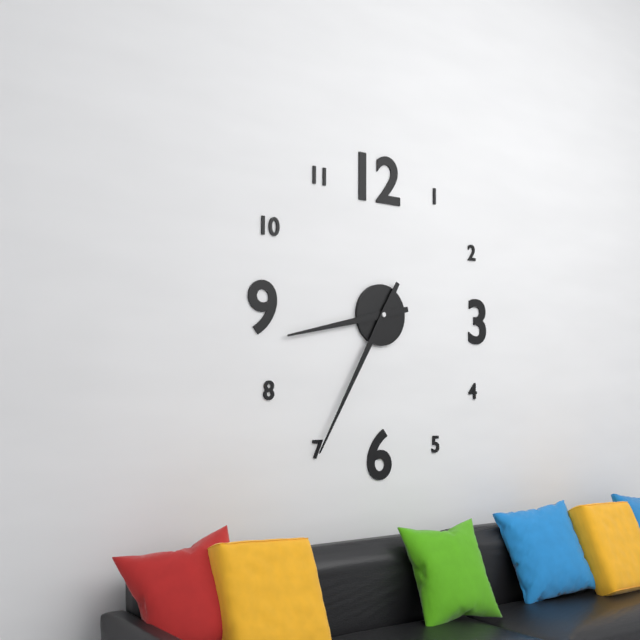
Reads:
8h35
